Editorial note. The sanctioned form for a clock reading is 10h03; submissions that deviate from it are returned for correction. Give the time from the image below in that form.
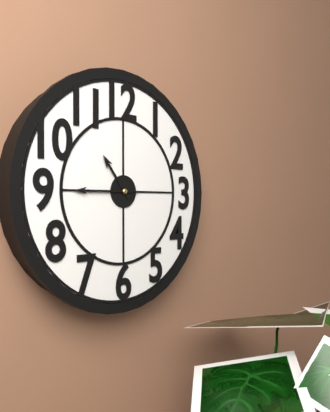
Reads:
10h45
